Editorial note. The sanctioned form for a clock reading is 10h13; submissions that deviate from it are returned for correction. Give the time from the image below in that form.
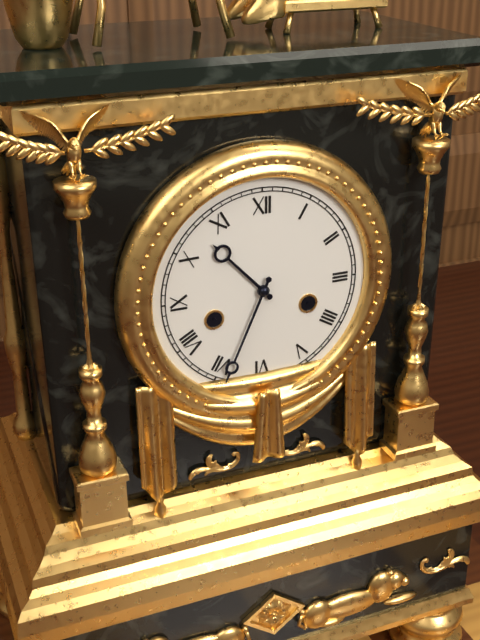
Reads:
10h34
